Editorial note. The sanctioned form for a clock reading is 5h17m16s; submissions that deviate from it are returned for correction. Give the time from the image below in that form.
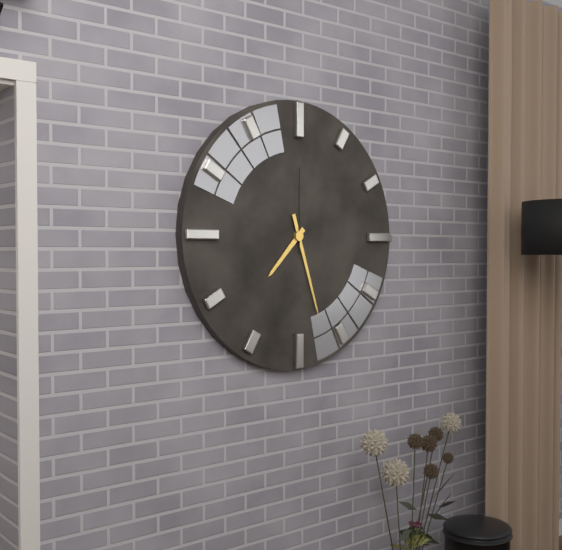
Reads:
7h27m00s
